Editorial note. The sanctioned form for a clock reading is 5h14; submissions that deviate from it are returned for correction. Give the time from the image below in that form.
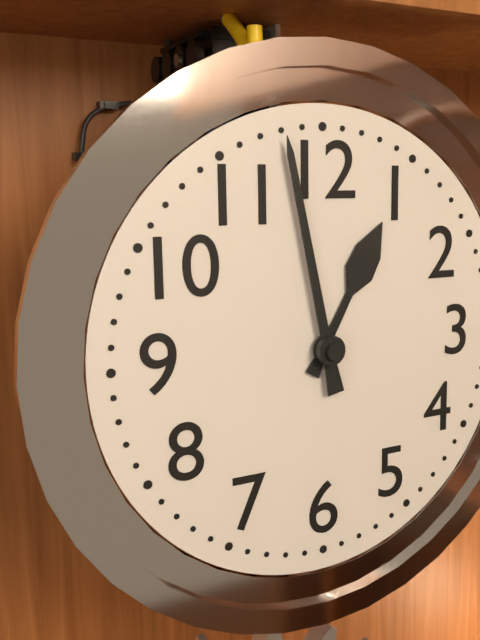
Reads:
12h58
